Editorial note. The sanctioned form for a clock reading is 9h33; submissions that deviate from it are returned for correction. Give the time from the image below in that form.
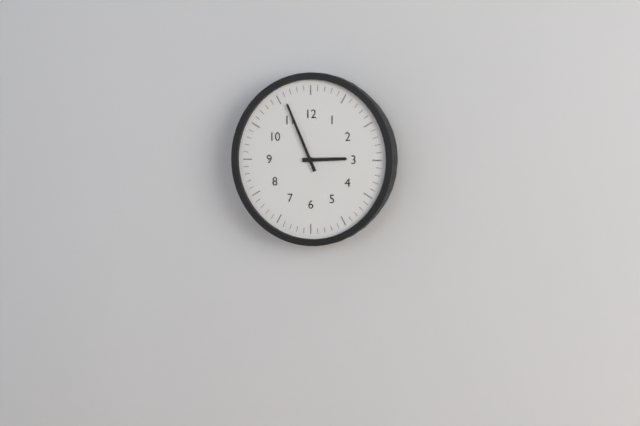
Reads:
2h56
